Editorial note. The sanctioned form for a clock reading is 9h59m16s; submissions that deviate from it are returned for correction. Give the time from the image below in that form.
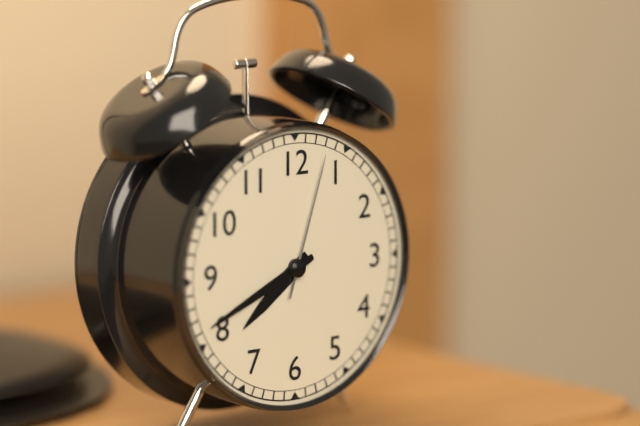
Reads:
7h41m03s
